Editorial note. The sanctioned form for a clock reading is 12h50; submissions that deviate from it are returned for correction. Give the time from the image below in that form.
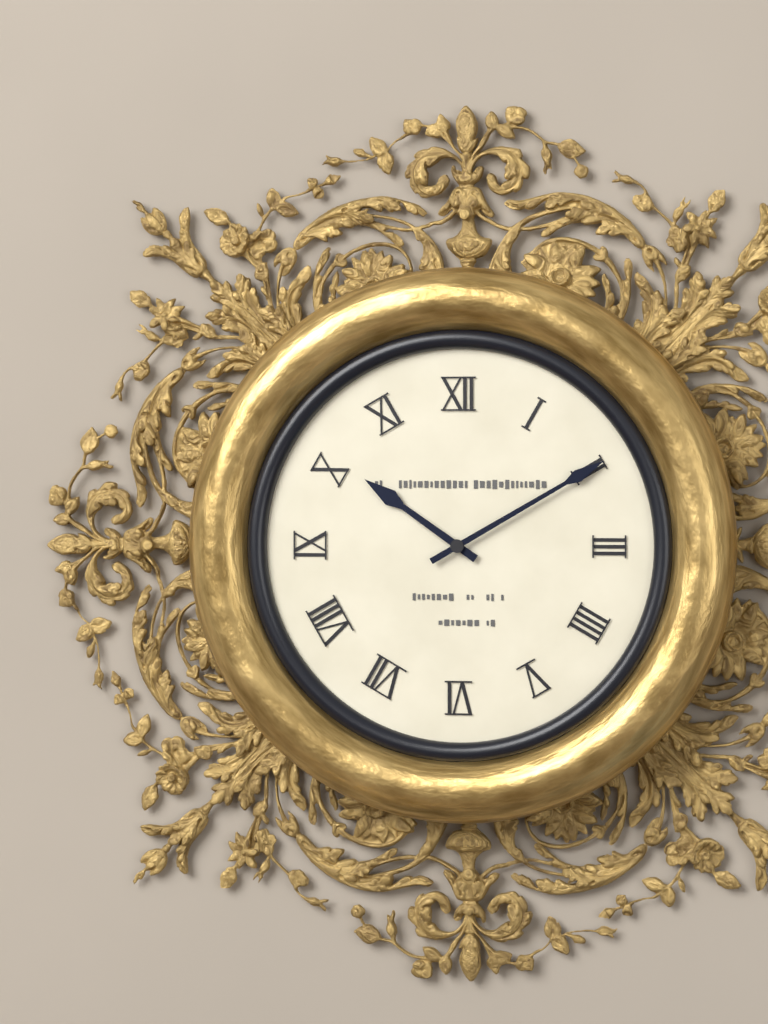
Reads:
10h10
